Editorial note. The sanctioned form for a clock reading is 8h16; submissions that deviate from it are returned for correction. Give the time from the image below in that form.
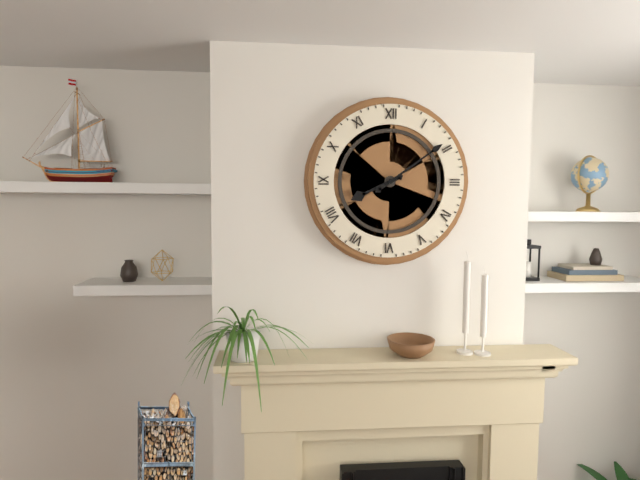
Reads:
8h09
